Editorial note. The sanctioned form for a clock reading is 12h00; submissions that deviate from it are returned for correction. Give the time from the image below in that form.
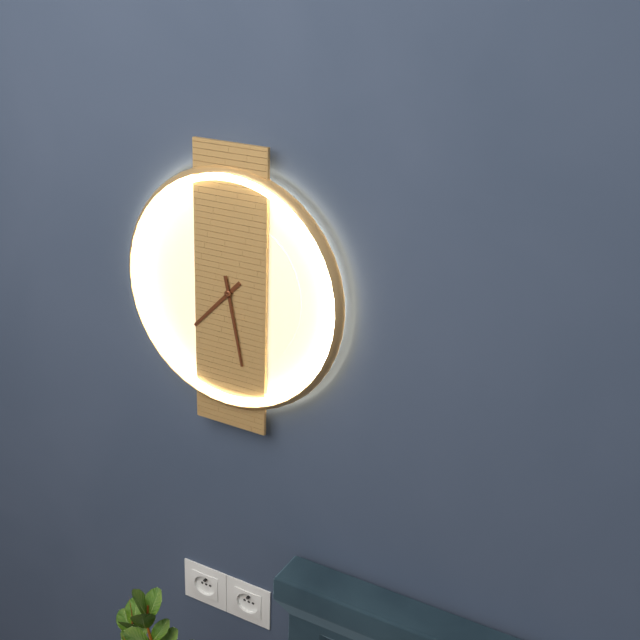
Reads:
7h28
